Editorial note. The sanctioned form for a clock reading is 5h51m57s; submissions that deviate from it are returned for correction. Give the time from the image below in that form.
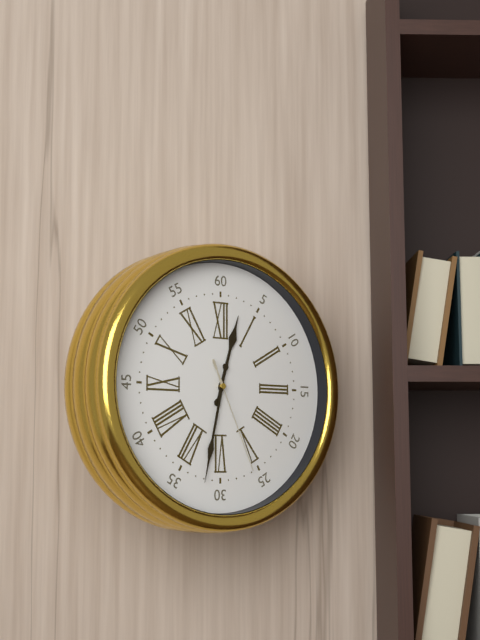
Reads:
12h32m26s
